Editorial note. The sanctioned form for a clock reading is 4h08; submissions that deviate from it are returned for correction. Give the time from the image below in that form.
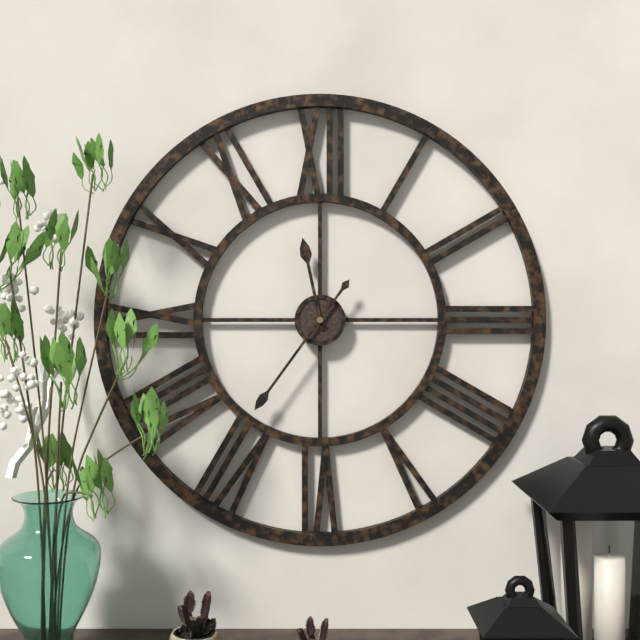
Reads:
11h36
